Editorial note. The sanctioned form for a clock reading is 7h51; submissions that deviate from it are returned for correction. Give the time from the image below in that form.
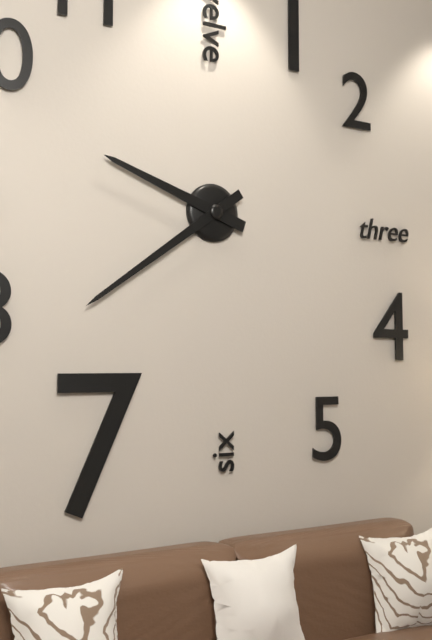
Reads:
9h39
